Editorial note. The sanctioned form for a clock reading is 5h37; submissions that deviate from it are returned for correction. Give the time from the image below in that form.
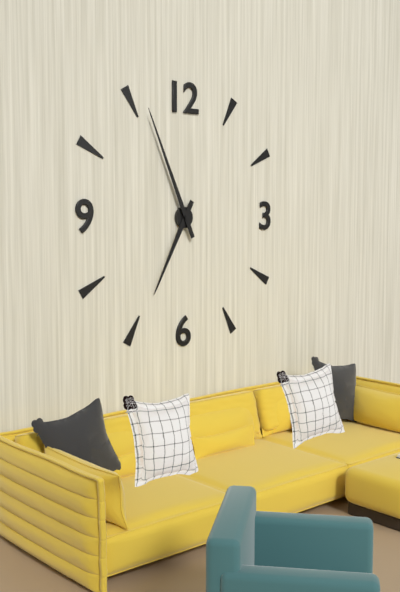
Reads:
6h56
